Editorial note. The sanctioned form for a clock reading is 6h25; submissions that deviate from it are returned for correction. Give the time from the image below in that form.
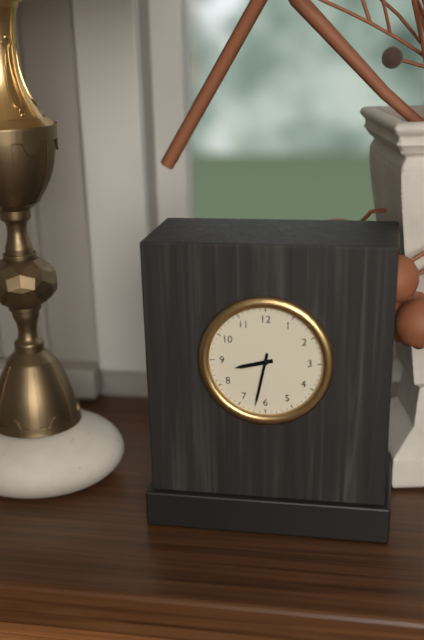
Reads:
8h32
